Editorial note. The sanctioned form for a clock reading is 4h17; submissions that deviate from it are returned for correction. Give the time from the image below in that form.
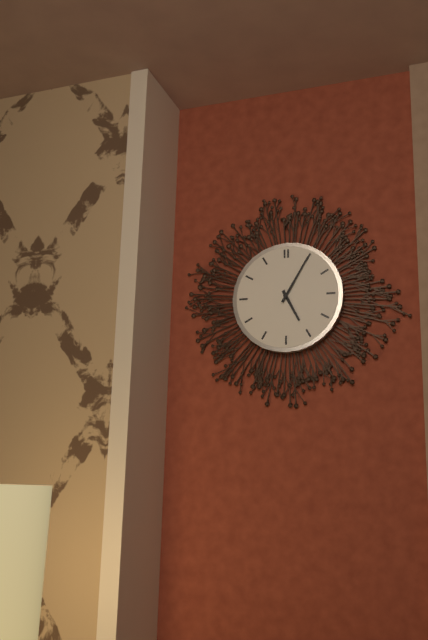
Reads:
5h05
